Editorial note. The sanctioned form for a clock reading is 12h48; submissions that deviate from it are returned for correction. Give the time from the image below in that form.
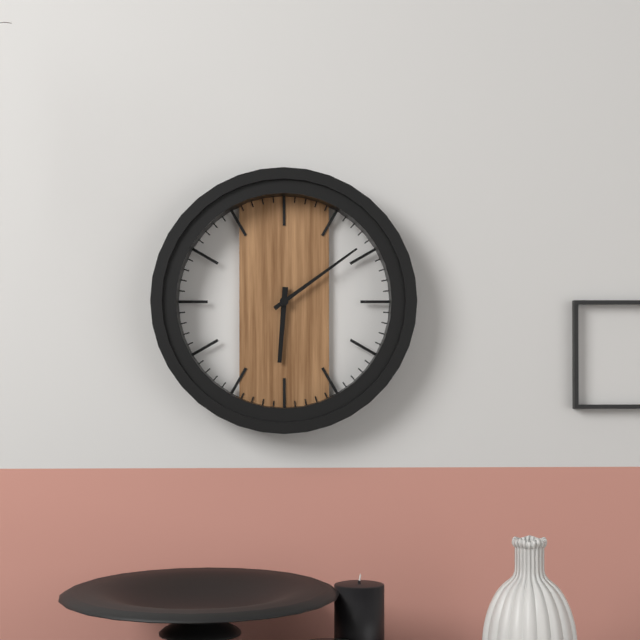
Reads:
6h09
